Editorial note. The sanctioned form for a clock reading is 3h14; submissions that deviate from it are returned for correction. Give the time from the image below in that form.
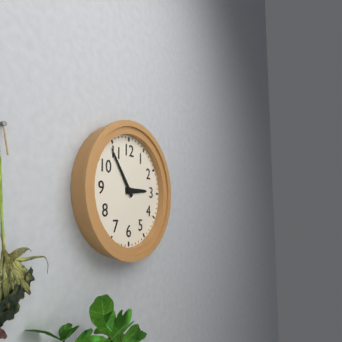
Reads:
2h54
